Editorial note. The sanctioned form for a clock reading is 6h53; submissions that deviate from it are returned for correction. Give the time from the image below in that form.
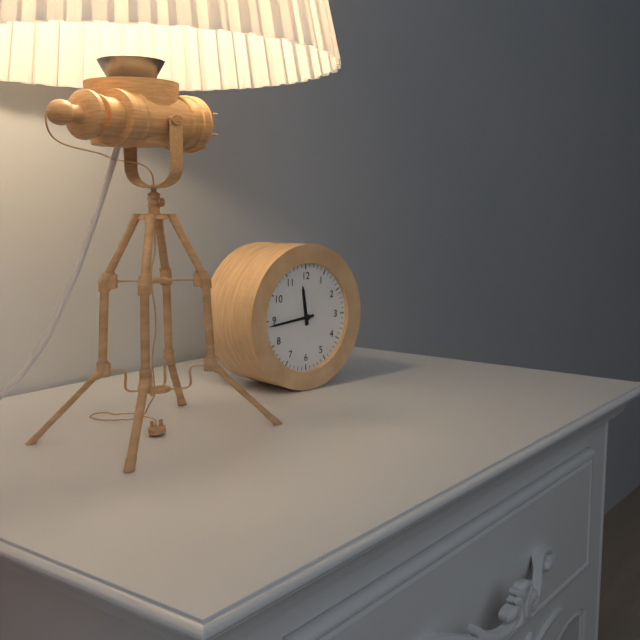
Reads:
11h44
